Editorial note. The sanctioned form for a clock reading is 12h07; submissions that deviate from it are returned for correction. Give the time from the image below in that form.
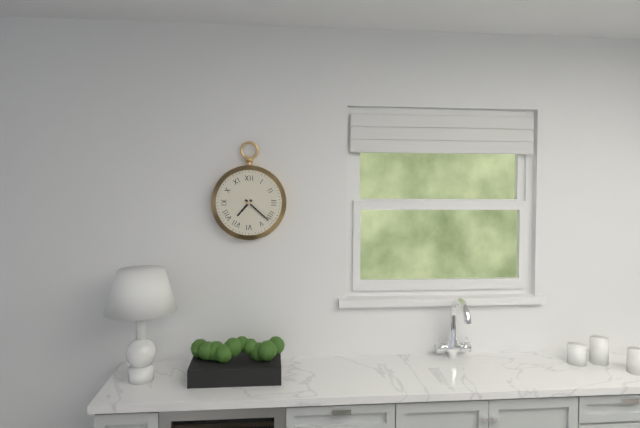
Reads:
7h22
